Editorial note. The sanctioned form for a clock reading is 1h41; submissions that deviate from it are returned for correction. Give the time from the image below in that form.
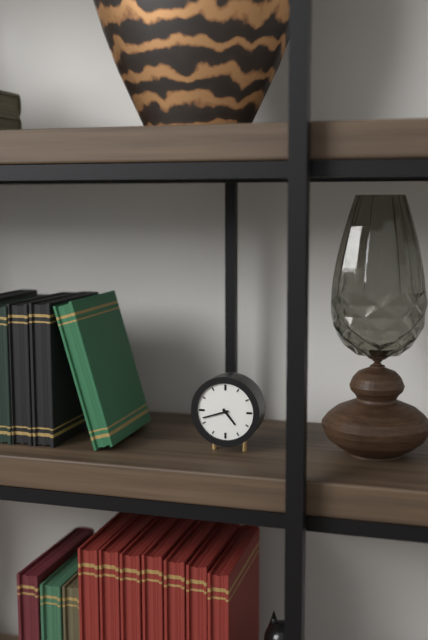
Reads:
4h42
